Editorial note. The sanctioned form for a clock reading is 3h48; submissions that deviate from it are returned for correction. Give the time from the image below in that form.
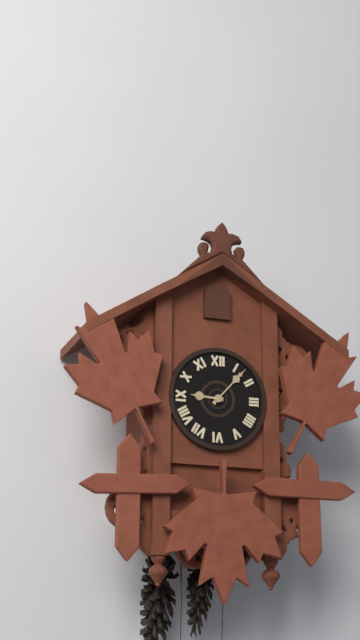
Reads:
9h07
